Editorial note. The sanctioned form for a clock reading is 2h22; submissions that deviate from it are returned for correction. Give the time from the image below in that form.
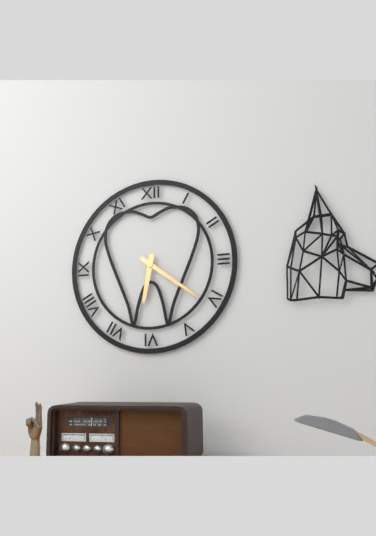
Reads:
6h21
